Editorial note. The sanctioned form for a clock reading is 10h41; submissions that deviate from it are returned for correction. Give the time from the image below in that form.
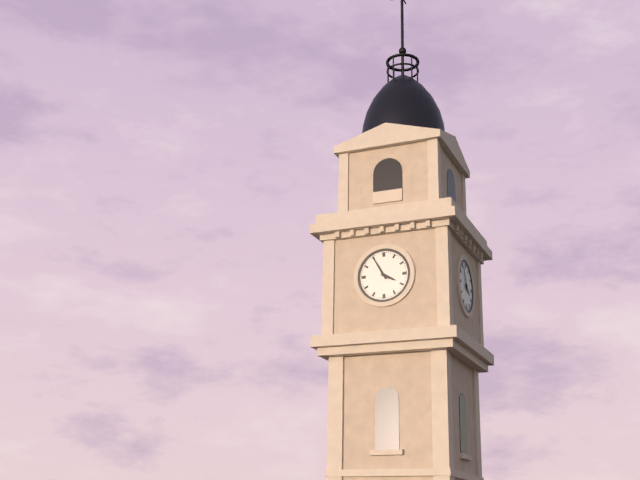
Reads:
3h55
